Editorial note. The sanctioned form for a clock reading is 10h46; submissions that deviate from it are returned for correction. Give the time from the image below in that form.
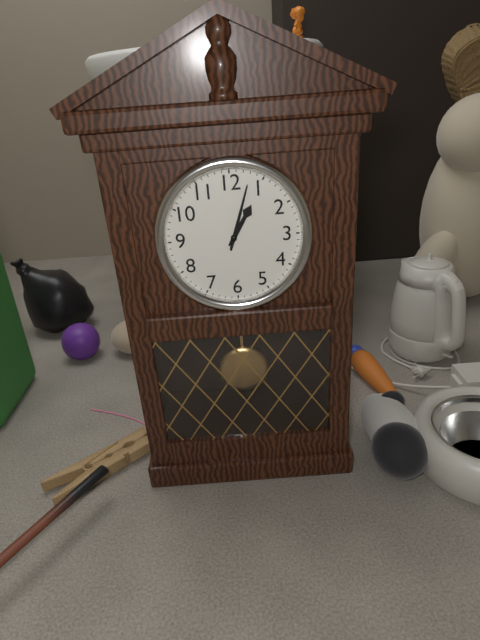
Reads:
1h03
